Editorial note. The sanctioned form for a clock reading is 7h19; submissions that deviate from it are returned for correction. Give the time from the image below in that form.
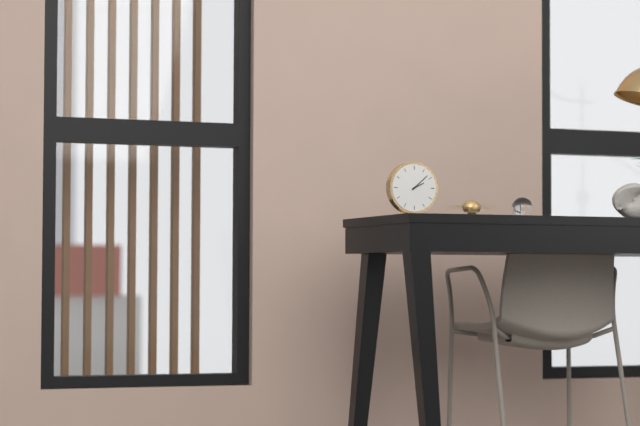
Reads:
2h08
